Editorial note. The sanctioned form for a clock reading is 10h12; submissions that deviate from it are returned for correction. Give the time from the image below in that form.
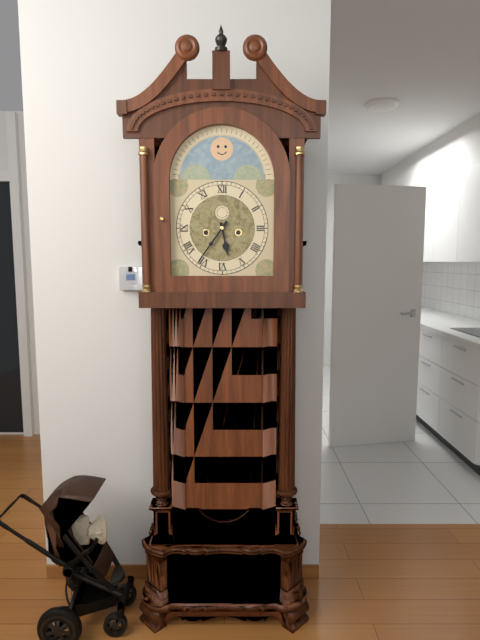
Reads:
5h36
